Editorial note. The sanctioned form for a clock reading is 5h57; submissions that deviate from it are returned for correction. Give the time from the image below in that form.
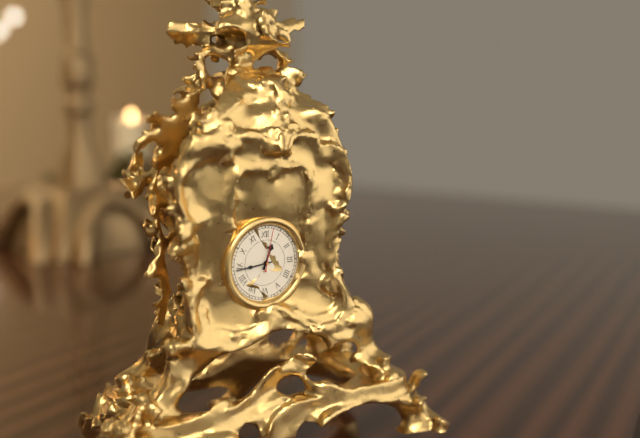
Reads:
12h44
